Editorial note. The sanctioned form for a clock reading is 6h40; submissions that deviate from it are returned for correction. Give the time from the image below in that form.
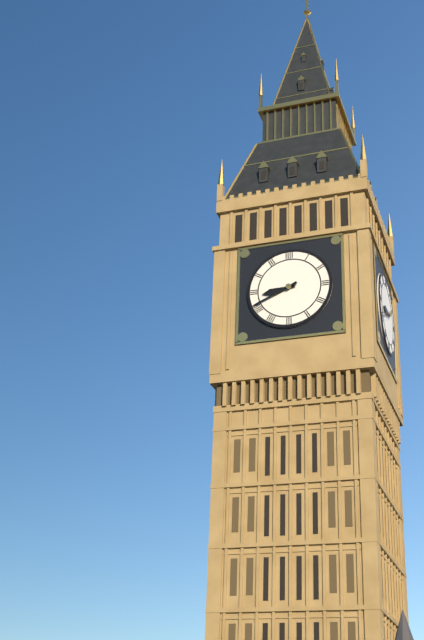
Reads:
8h41
